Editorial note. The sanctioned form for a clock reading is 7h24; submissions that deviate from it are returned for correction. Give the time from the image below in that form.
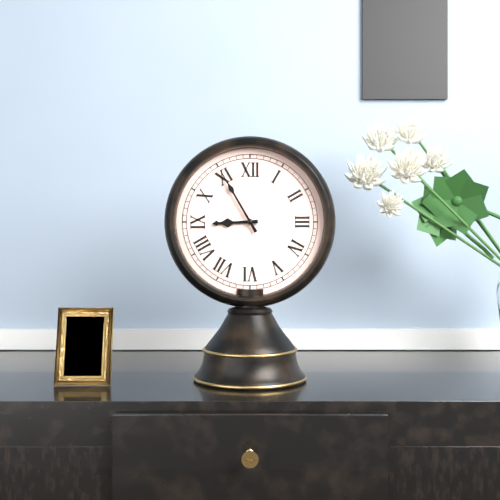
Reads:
8h55
